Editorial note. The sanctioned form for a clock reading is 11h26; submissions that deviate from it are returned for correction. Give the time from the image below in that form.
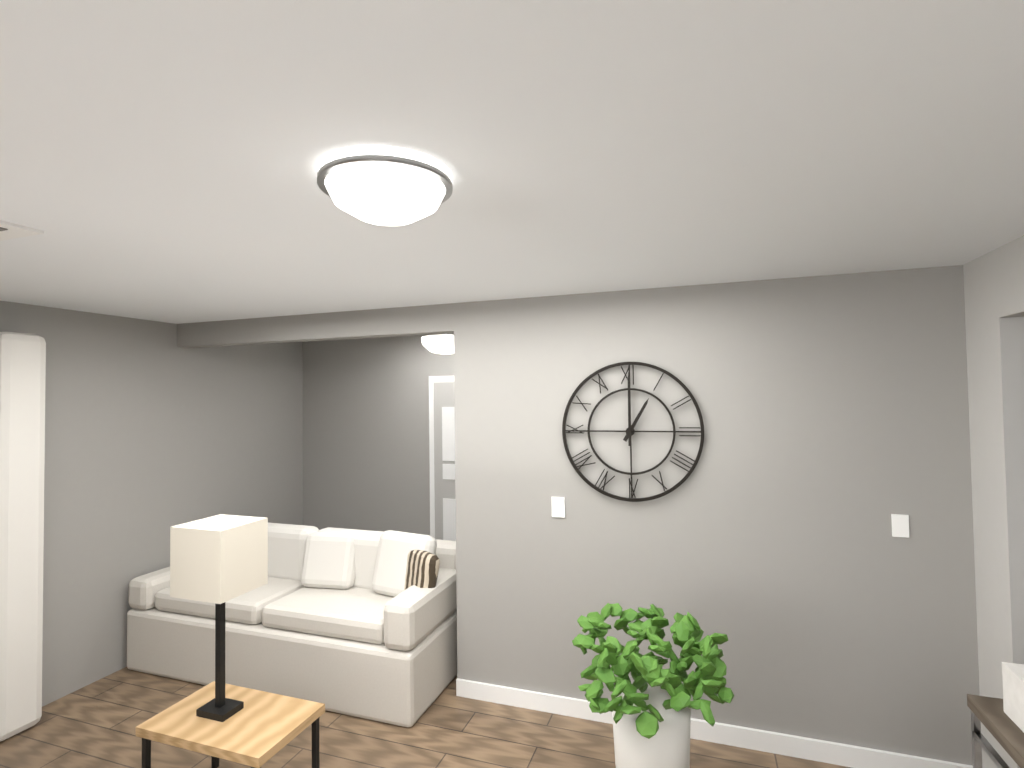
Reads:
1h00
